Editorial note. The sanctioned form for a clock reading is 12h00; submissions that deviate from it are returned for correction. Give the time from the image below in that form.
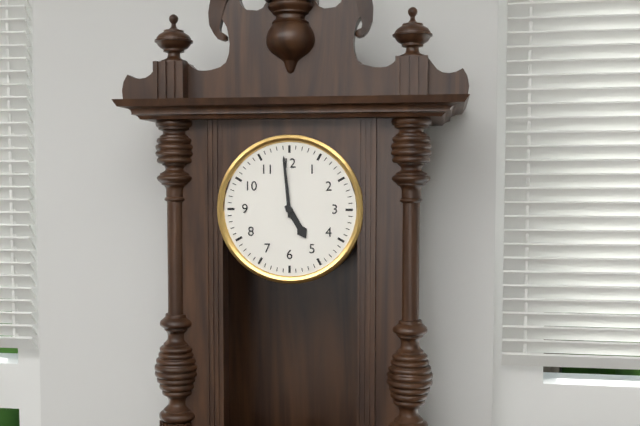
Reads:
4h59
